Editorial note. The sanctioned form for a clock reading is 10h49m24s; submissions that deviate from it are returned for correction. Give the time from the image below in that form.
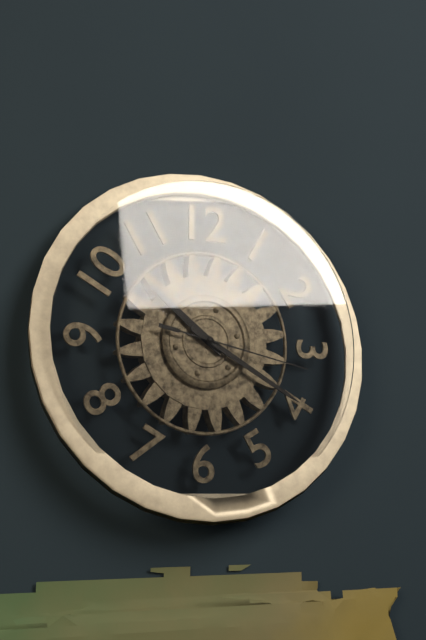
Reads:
10h20m17s
